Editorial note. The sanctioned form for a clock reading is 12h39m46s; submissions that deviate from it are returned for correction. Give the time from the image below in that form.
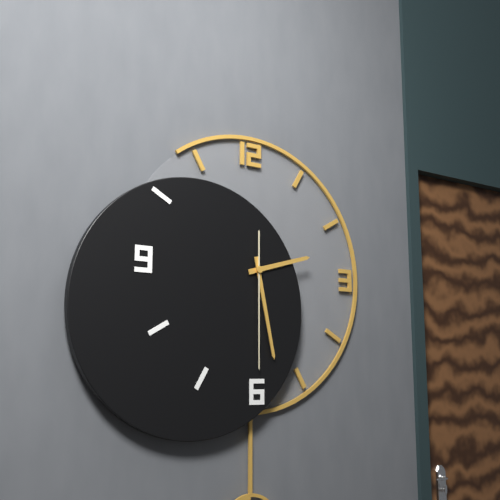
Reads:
2h28m30s
